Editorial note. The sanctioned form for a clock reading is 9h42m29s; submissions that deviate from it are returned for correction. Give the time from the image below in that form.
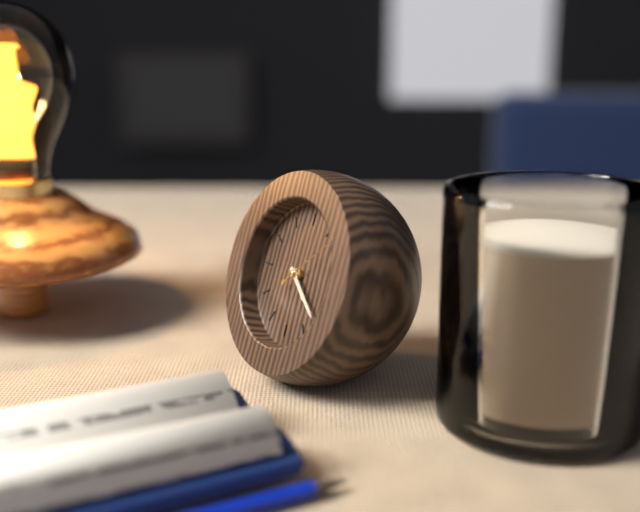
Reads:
4h21m08s
